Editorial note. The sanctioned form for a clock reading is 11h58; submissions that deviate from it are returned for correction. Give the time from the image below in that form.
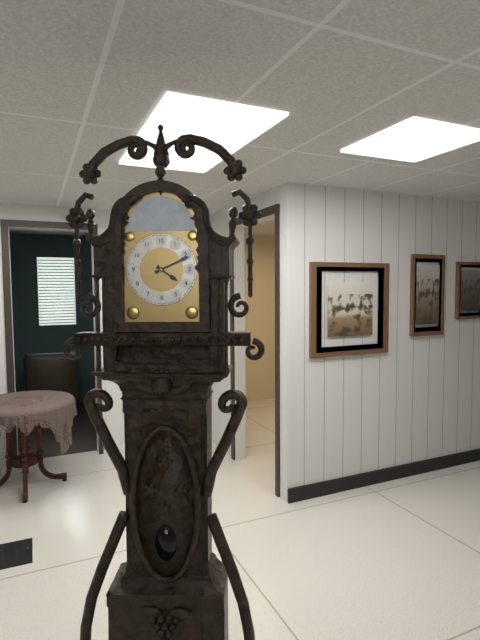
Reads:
4h11
